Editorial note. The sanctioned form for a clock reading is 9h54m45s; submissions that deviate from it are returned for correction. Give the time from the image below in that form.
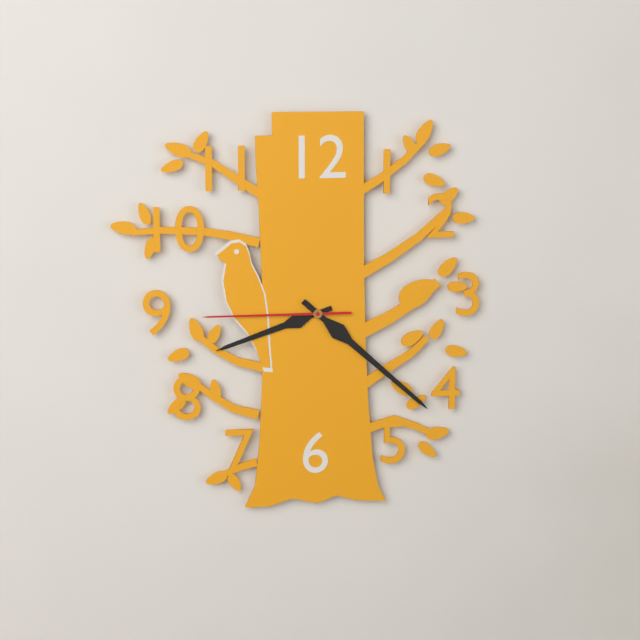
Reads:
8h22m45s
